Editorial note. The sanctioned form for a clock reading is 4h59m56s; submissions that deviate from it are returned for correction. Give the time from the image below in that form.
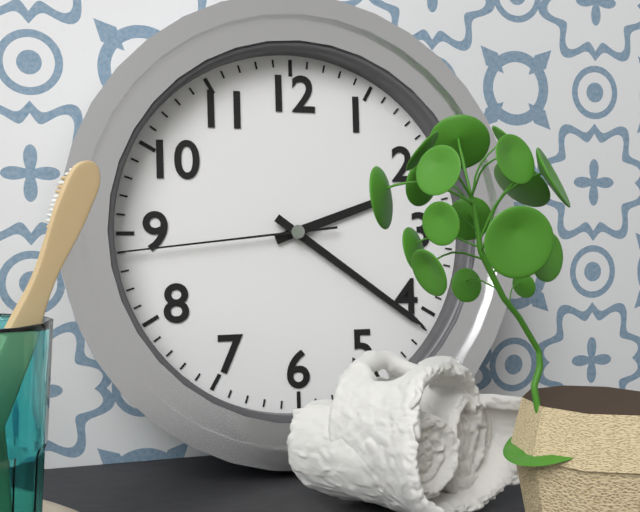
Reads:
2h21m44s
